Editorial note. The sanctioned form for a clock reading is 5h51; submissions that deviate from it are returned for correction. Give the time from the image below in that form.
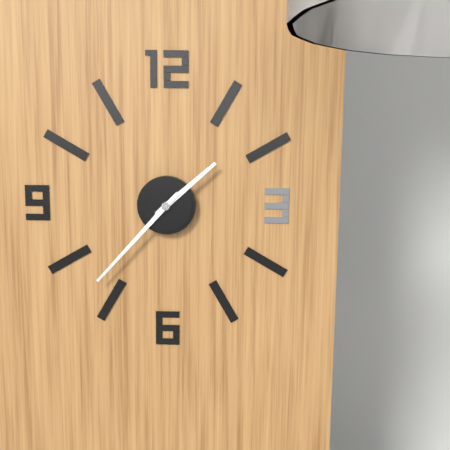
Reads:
1h37
